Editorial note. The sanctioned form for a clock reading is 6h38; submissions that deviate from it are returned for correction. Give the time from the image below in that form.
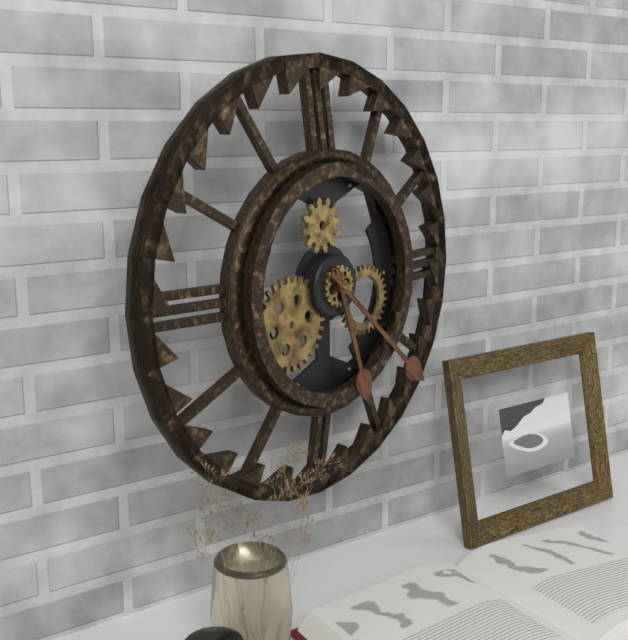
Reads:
5h22
